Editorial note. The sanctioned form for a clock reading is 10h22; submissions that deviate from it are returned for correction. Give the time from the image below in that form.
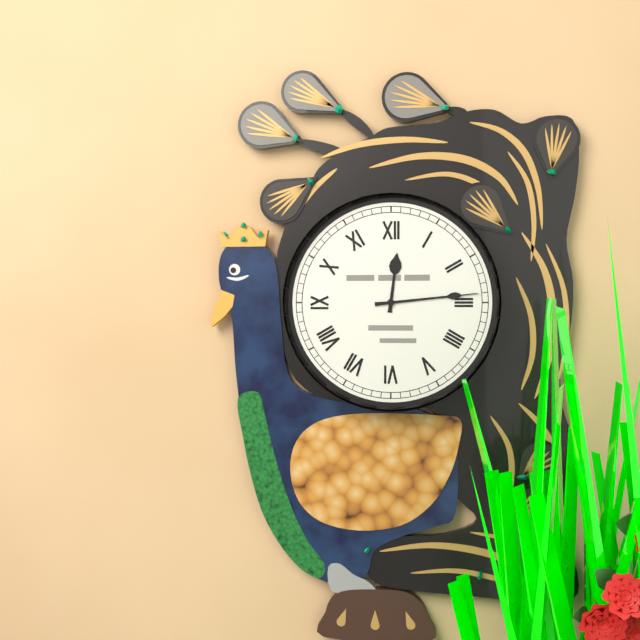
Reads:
12h14
